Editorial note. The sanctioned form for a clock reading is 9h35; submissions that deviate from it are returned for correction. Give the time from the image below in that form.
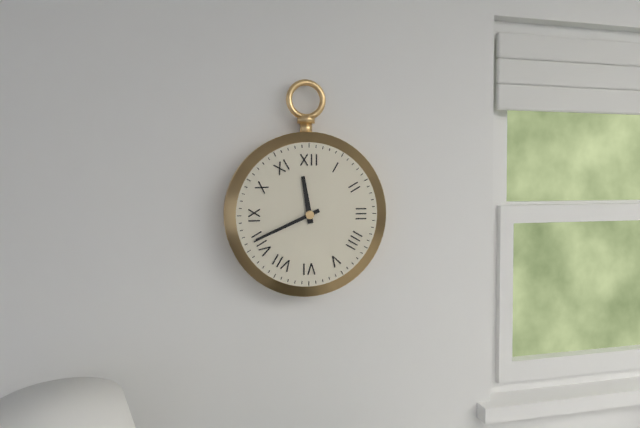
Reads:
11h41
